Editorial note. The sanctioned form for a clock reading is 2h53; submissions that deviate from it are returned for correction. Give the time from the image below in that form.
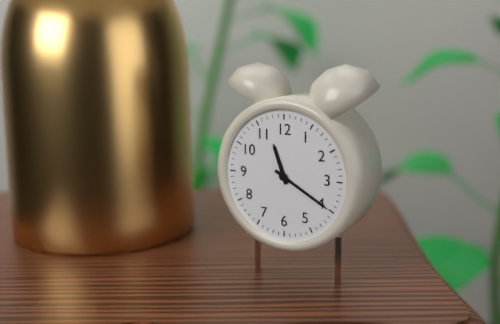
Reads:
11h20
